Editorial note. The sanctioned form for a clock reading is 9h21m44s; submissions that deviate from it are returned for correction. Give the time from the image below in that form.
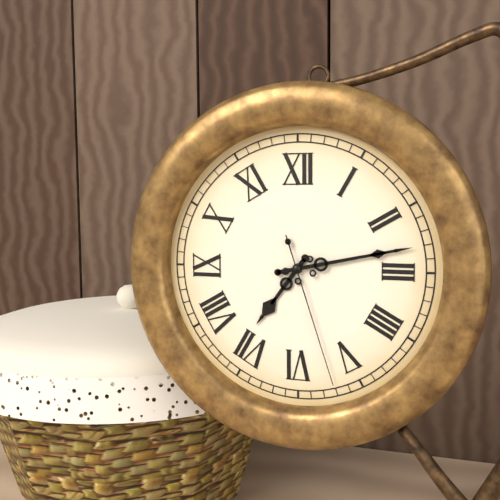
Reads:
7h13m27s
